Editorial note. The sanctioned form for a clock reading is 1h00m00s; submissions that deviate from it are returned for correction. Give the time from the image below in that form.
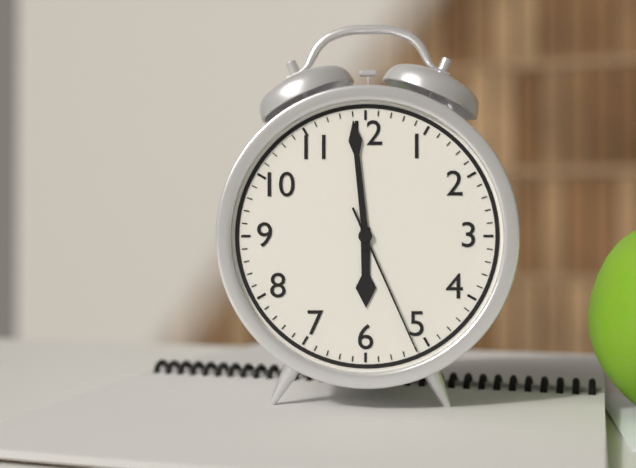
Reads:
5h59m26s
